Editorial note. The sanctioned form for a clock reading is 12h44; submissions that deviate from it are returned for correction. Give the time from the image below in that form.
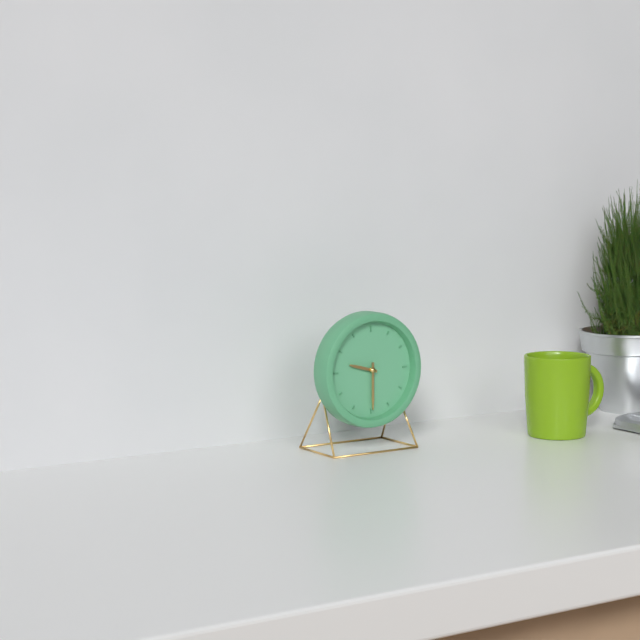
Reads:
9h30
